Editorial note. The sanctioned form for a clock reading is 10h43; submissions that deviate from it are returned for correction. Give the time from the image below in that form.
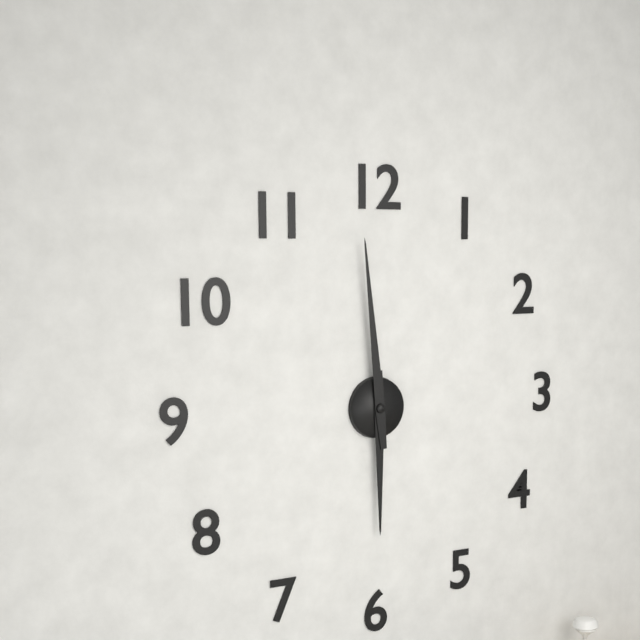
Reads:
5h59
